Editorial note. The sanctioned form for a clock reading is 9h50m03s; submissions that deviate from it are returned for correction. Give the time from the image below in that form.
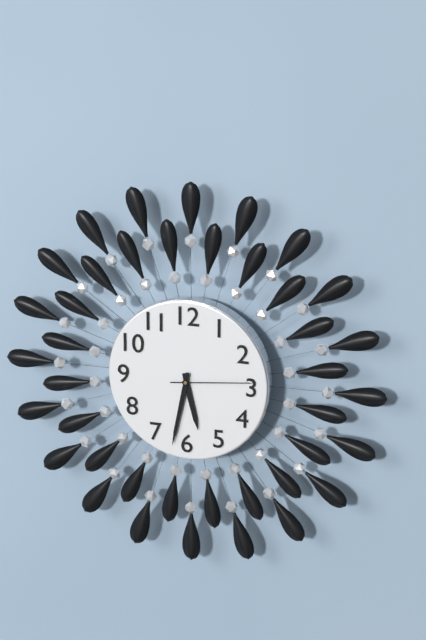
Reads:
5h32m14s
